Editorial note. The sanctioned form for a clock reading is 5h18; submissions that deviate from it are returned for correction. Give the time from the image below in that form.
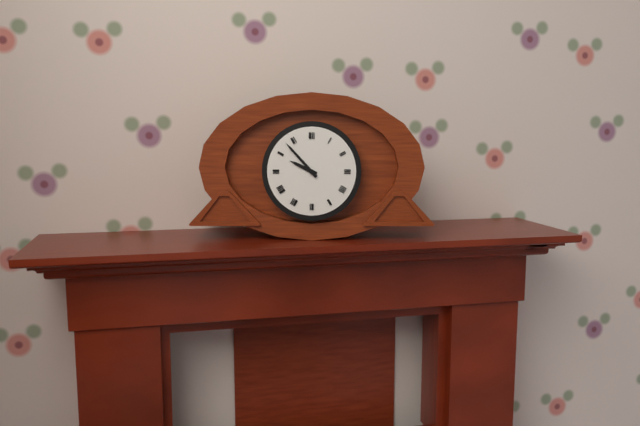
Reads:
9h53
